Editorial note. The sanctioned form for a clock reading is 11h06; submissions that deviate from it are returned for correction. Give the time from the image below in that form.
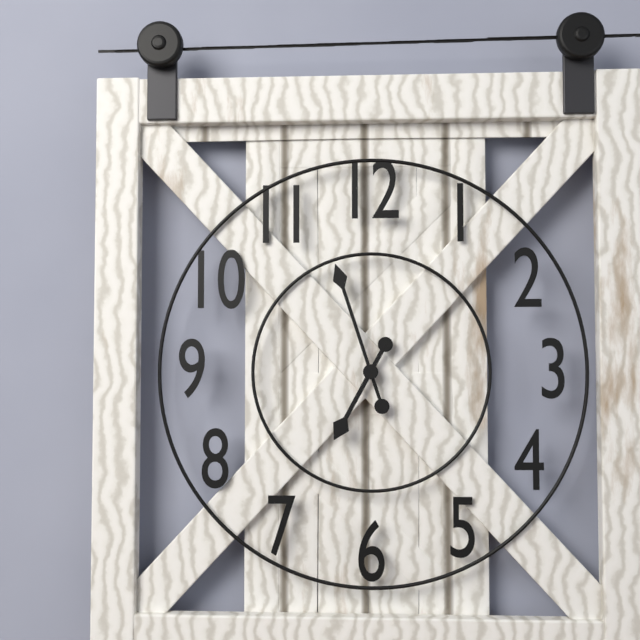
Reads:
6h57
